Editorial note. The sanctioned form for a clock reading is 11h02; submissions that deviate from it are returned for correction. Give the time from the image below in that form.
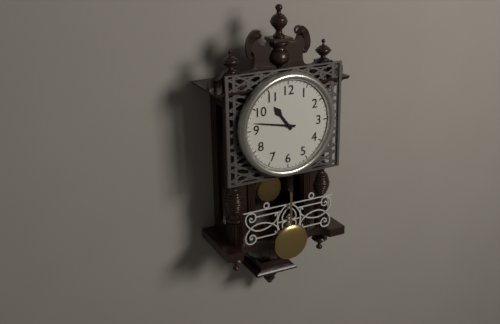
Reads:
10h47
